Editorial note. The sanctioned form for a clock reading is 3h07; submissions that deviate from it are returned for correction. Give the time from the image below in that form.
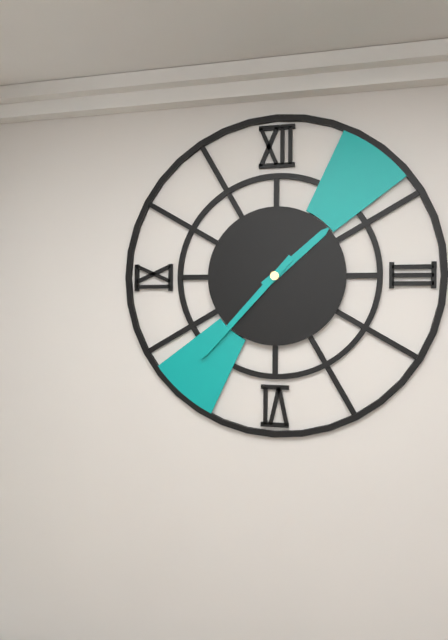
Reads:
1h37
